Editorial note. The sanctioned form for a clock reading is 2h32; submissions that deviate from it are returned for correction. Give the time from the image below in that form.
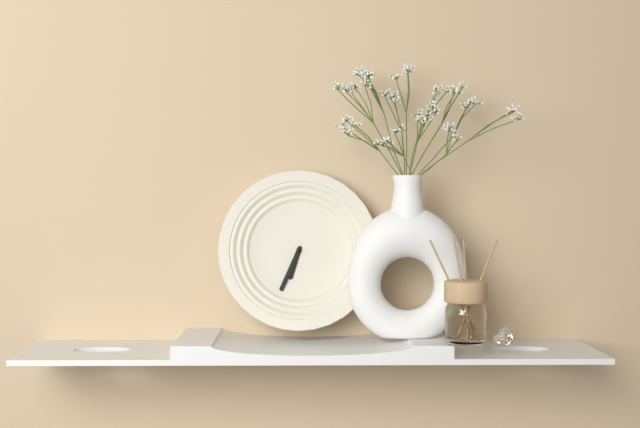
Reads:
6h34
